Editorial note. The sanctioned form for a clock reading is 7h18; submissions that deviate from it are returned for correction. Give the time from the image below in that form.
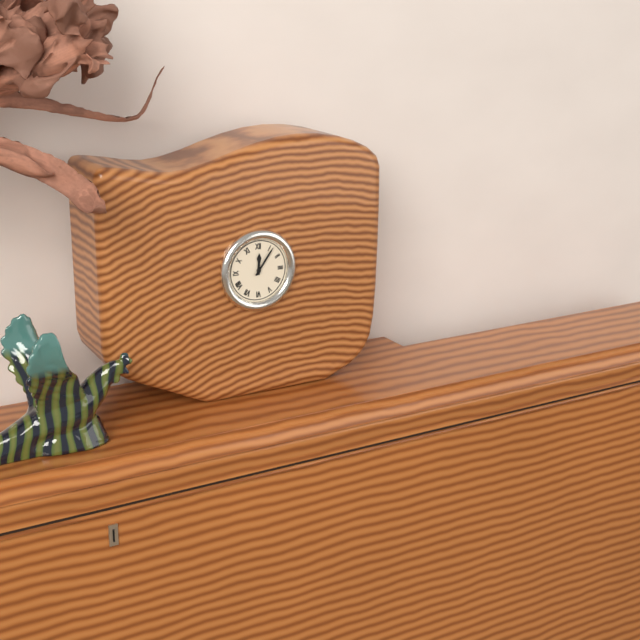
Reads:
12h06
